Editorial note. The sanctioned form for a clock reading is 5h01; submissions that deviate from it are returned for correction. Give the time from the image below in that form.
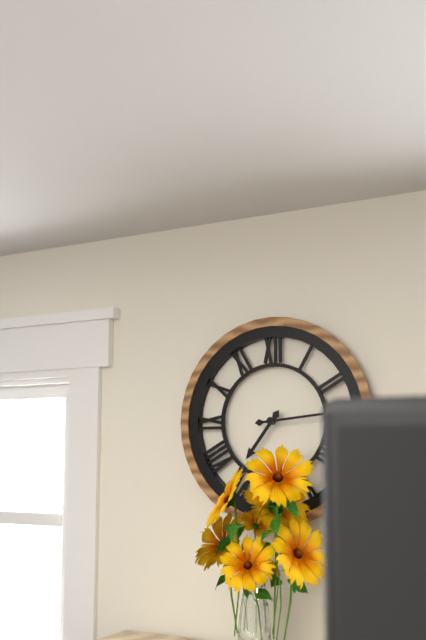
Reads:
7h14
